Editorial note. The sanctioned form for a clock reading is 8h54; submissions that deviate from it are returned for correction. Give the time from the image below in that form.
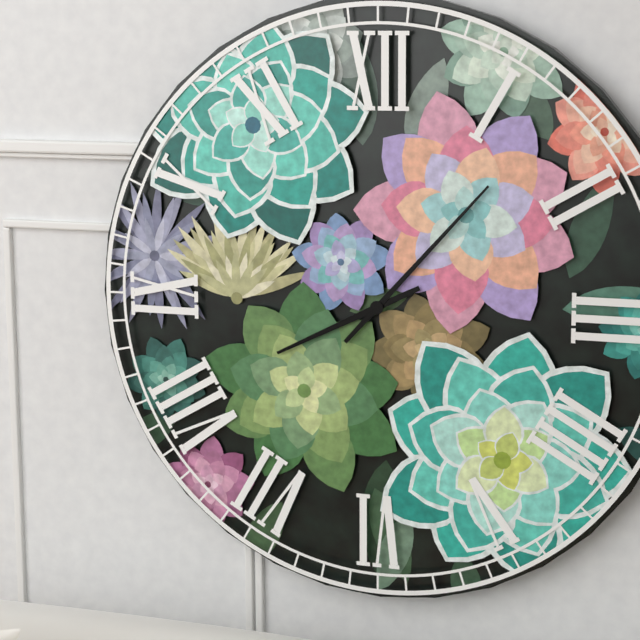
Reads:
8h07
